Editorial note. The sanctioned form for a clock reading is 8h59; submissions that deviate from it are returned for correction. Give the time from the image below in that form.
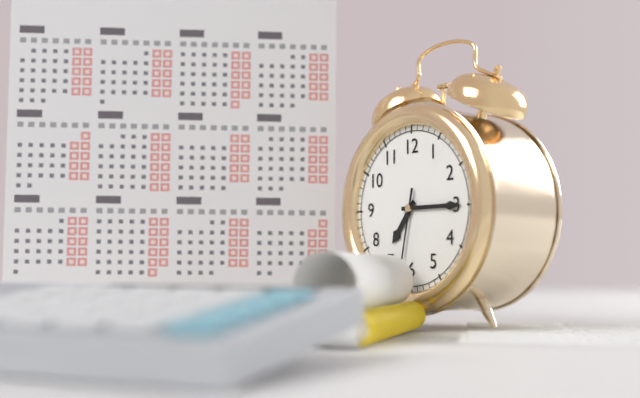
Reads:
7h15
